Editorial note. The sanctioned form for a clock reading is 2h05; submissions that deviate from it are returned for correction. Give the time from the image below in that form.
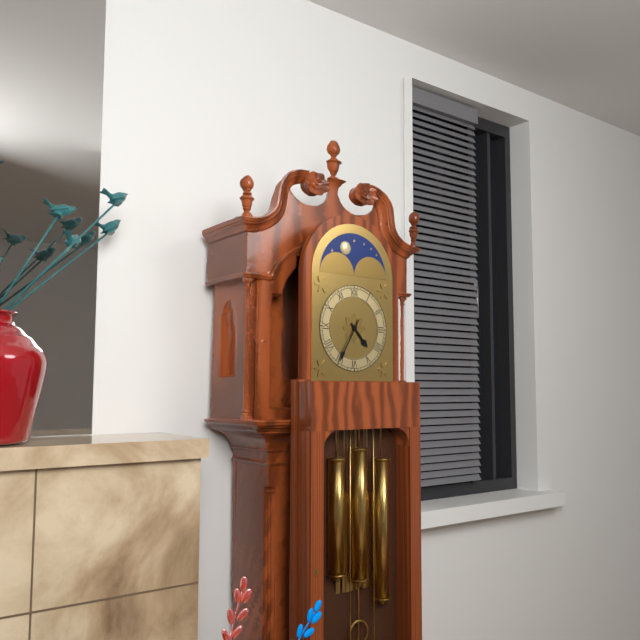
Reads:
4h35
